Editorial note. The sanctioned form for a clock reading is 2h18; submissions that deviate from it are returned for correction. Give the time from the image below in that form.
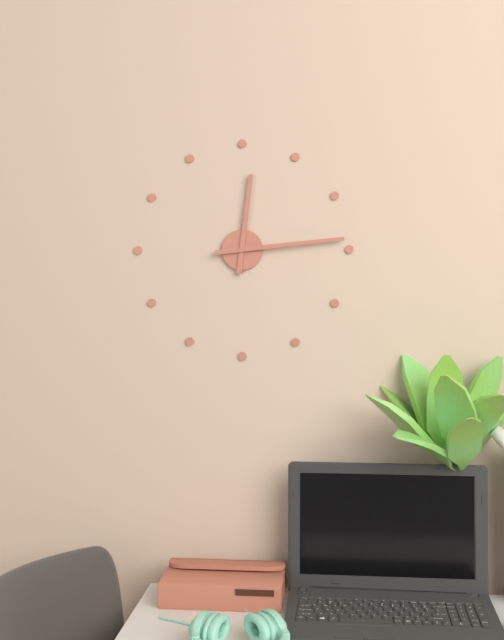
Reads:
12h14
